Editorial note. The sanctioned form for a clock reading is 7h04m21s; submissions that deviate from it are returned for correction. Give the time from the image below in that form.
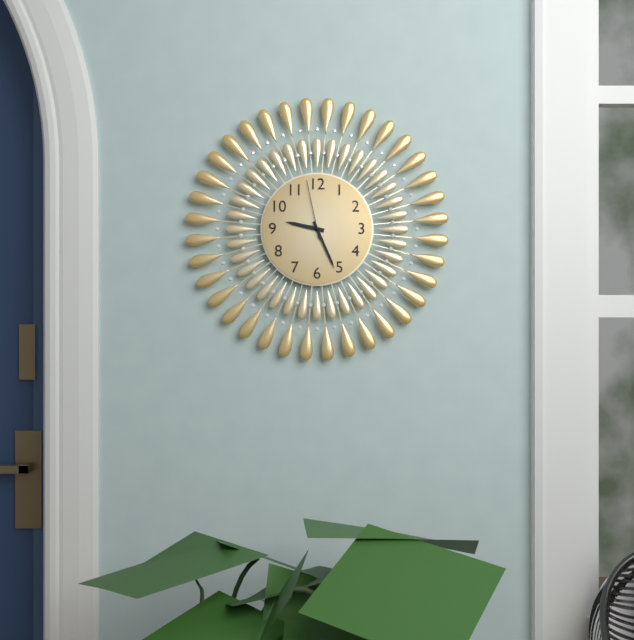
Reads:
9h26m58s
